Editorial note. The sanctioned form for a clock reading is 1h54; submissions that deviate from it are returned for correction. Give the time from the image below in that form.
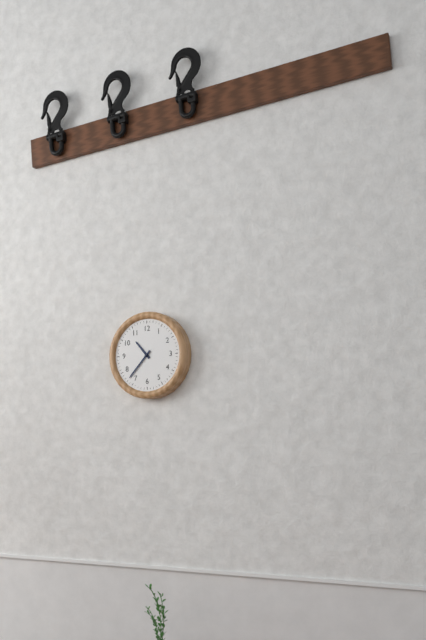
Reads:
10h37
